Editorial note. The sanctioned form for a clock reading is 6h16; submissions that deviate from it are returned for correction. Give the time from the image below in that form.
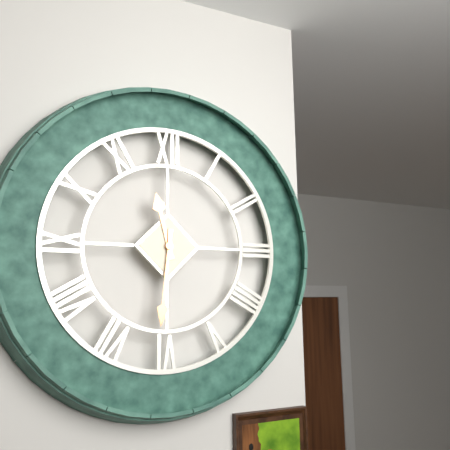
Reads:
11h31
